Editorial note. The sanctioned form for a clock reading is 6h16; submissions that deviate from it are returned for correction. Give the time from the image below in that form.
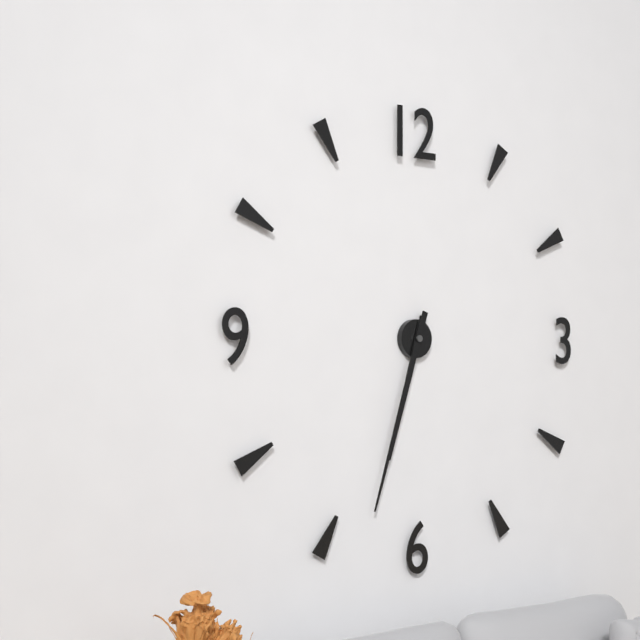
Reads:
6h33
